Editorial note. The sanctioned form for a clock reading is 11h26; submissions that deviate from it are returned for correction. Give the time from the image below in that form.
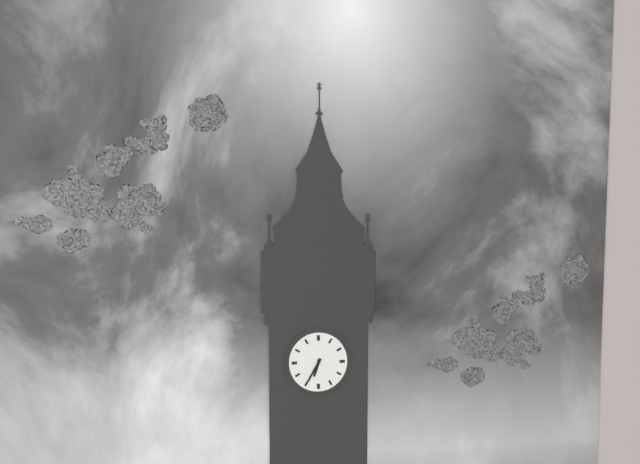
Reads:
6h35
